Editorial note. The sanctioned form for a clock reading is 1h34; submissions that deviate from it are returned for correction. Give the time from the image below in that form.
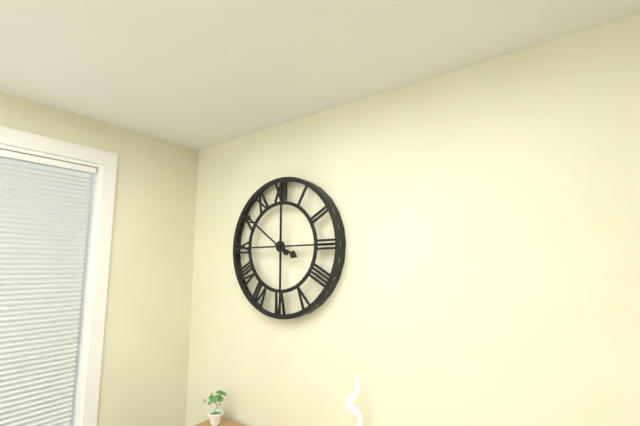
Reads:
3h51
